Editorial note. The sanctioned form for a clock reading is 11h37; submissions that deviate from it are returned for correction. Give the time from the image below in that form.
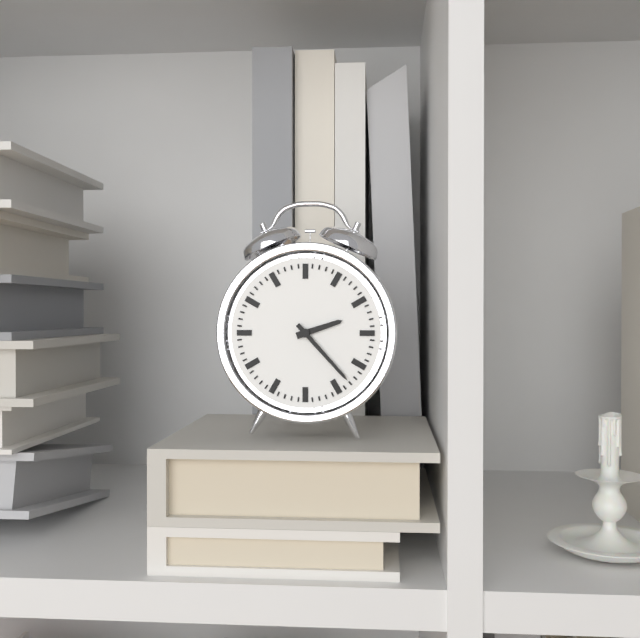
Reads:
2h23
